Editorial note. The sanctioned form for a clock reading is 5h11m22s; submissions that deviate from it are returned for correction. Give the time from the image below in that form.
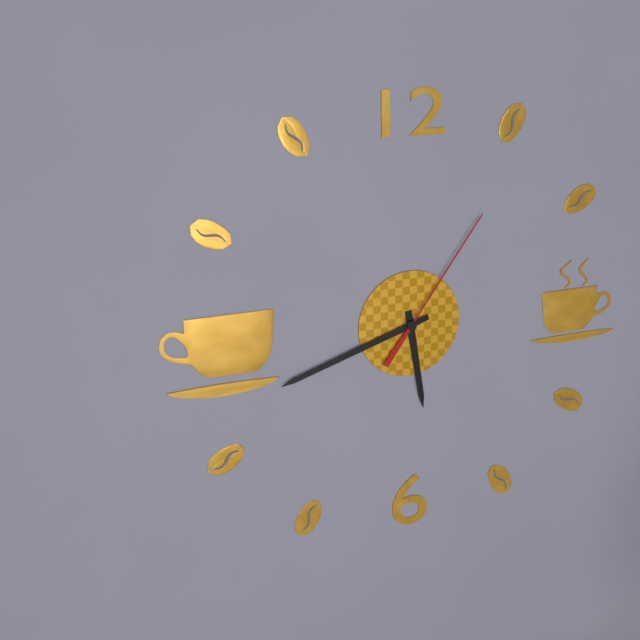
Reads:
5h42m06s
